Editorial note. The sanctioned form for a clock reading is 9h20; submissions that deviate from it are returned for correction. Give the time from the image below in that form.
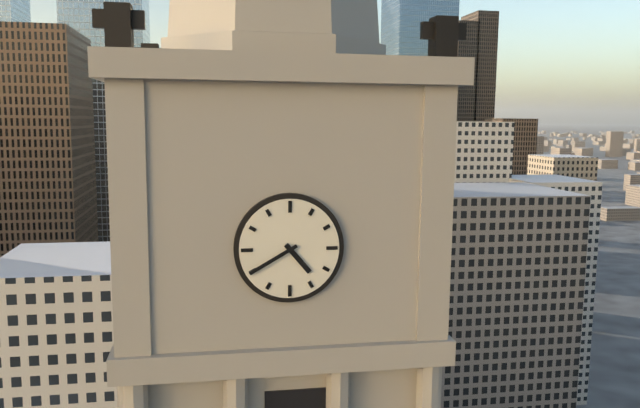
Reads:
4h40
